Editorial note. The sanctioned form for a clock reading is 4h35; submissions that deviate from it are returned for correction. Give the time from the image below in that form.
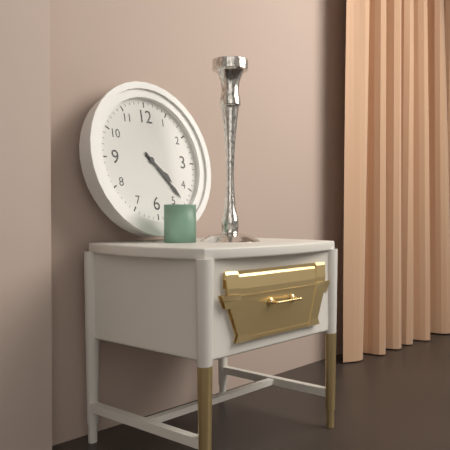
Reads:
4h23
